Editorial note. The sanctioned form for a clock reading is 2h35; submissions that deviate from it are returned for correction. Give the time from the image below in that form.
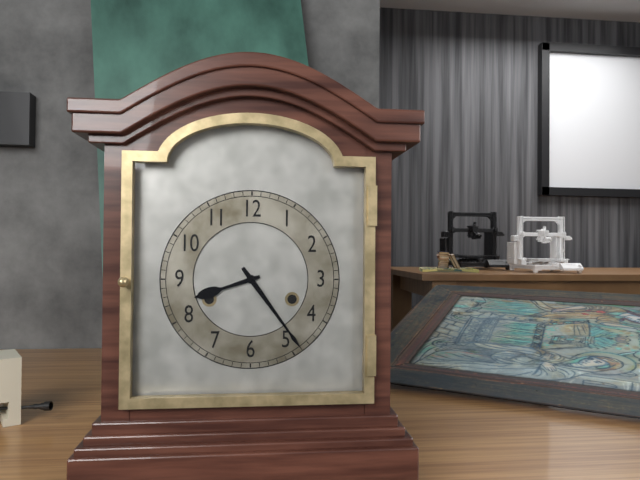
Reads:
8h24
